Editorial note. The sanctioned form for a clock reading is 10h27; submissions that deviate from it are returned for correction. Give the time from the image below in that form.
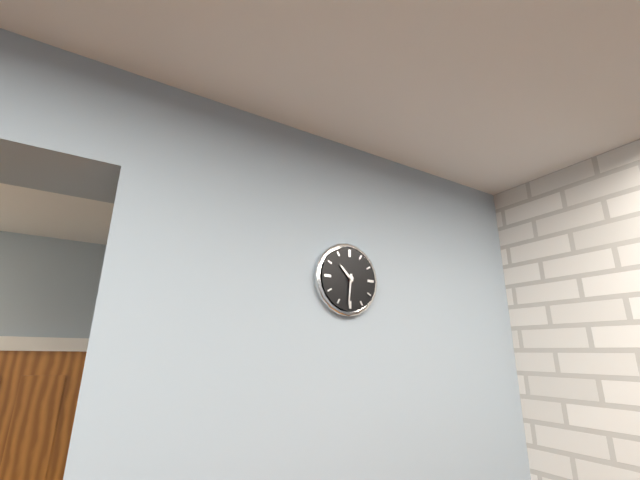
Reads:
10h31
